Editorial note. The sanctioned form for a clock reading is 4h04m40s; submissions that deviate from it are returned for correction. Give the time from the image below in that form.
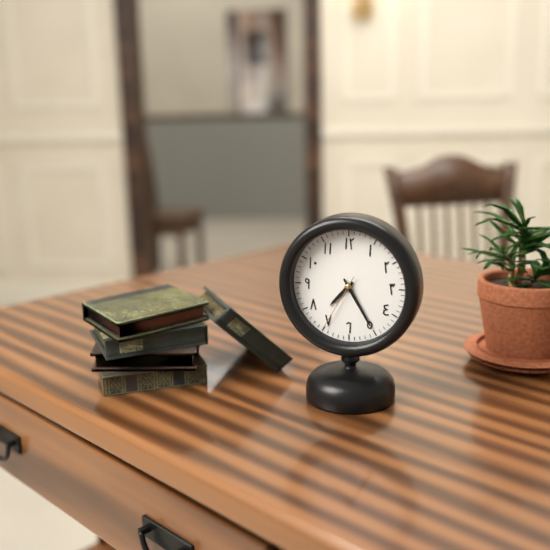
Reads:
7h25m35s
